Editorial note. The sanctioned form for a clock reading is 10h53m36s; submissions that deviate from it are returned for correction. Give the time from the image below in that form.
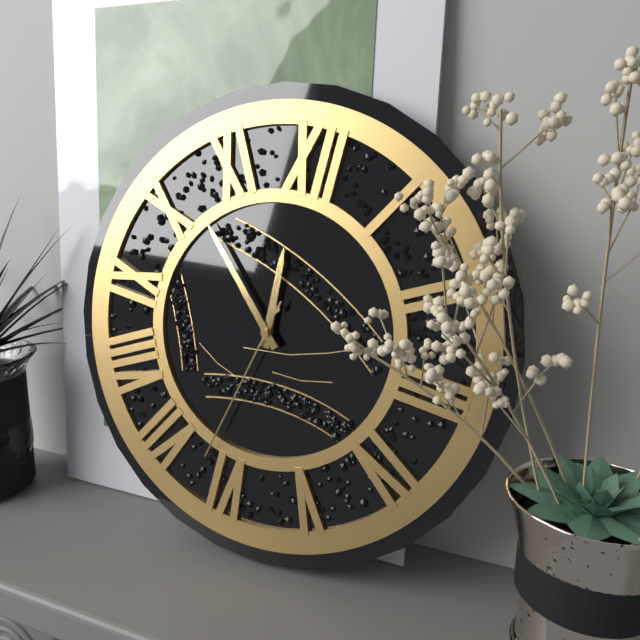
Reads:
11h52m32s
